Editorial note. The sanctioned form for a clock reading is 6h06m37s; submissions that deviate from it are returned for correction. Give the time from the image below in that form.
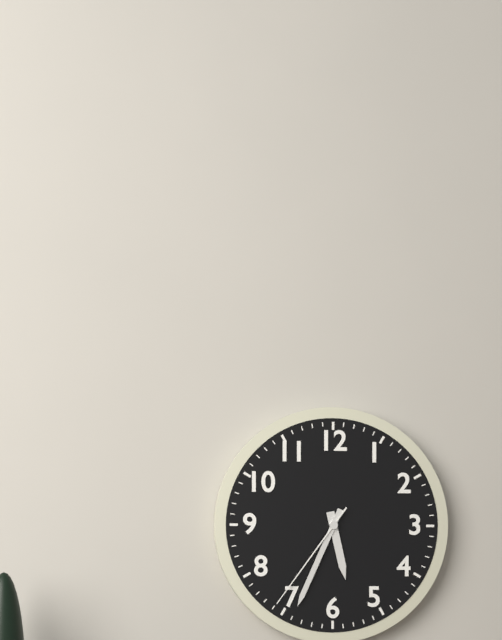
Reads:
5h34m36s
